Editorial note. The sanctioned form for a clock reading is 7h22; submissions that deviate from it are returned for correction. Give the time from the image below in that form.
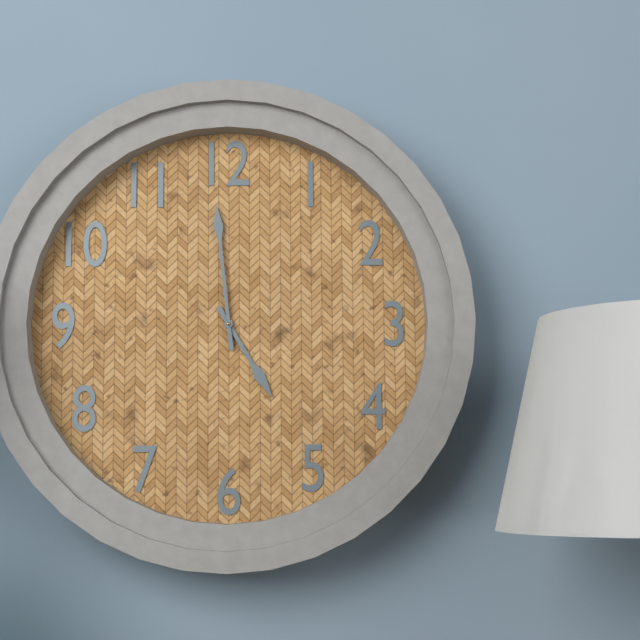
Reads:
4h59
